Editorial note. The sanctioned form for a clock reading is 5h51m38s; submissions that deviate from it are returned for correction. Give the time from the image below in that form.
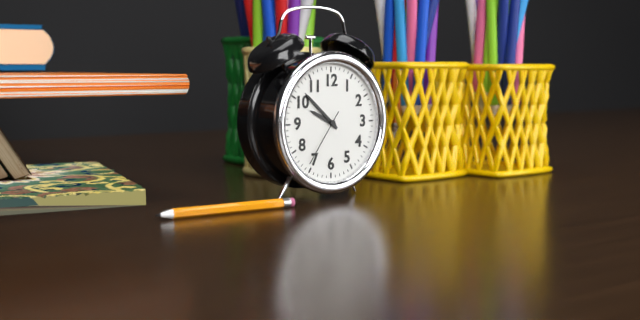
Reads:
9h52m36s
